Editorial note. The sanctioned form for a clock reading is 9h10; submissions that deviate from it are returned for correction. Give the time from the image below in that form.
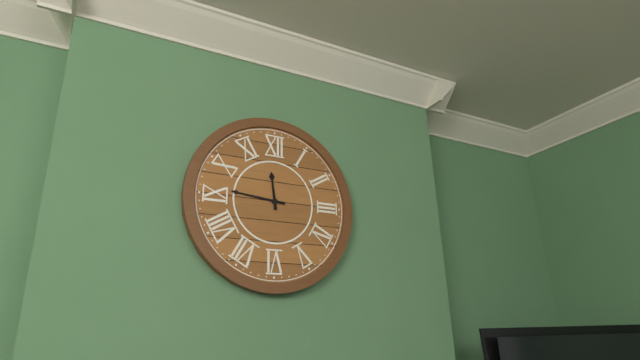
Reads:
11h46
